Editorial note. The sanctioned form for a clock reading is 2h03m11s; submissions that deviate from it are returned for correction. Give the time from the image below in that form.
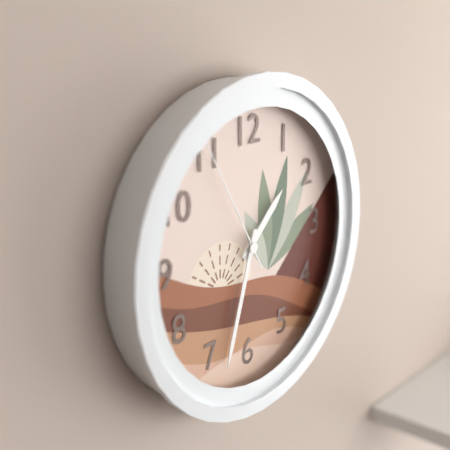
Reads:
1h33m55s
